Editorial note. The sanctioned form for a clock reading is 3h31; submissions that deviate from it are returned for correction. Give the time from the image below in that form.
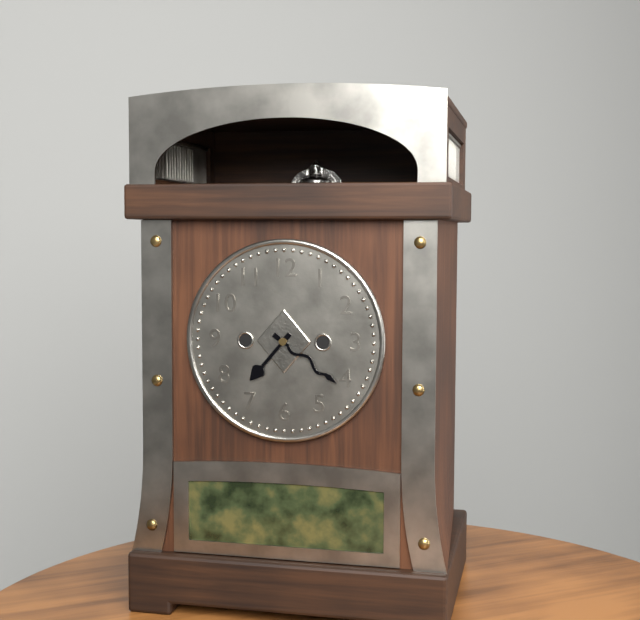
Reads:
7h21
